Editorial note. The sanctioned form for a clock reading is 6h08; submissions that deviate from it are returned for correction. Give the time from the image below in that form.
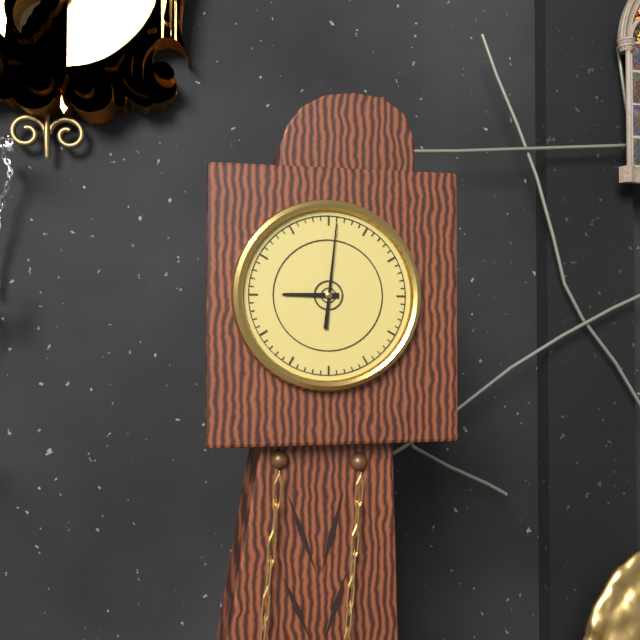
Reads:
9h01
